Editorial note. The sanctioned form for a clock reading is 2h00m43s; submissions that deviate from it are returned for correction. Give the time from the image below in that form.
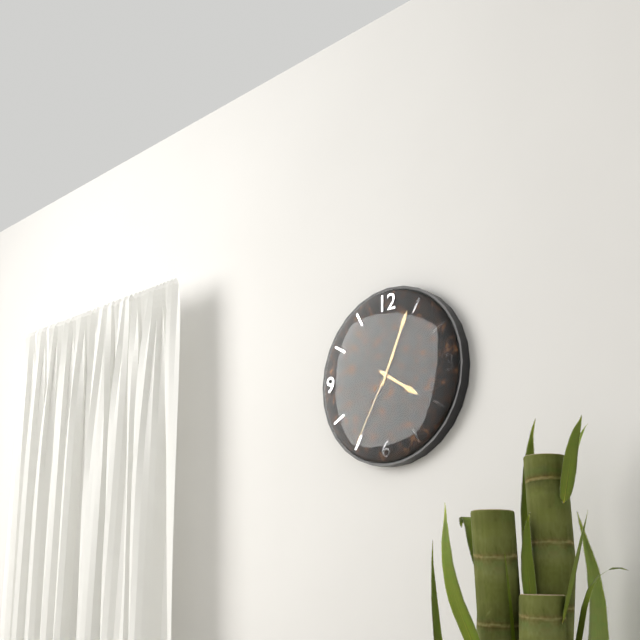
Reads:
4h04m35s
